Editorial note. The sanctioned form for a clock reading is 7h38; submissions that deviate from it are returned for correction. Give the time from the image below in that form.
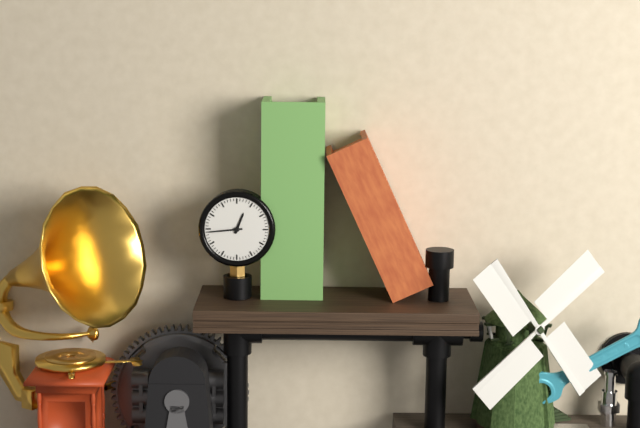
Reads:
12h44
